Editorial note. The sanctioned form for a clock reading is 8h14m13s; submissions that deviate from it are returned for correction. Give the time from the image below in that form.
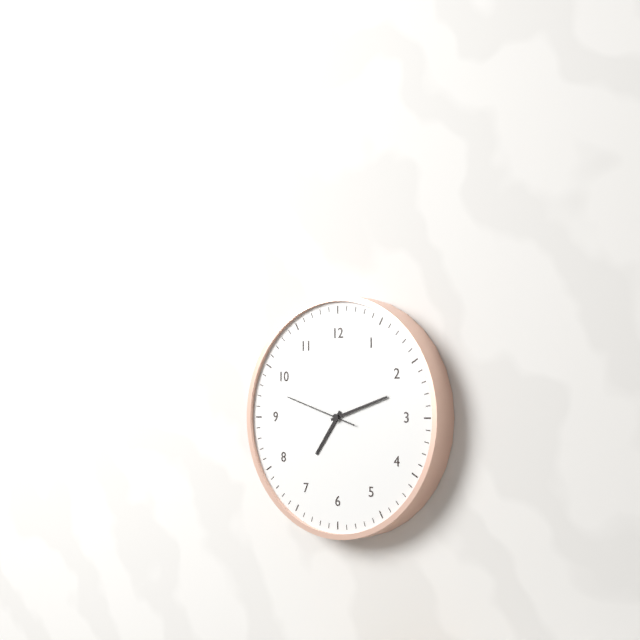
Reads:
7h12m48s
